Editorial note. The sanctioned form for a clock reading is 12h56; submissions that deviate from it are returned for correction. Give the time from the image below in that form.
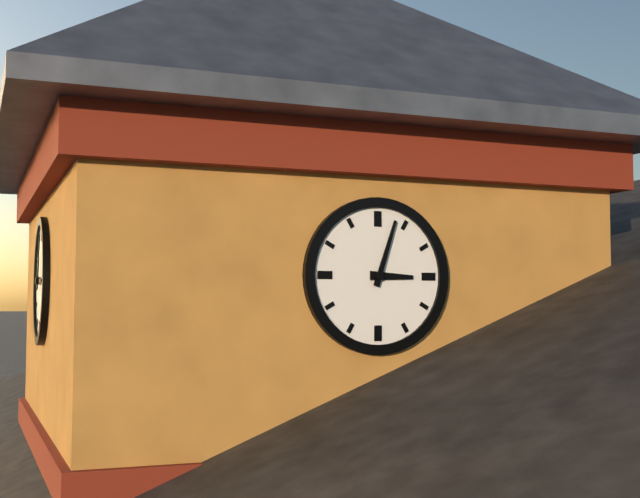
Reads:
3h03
